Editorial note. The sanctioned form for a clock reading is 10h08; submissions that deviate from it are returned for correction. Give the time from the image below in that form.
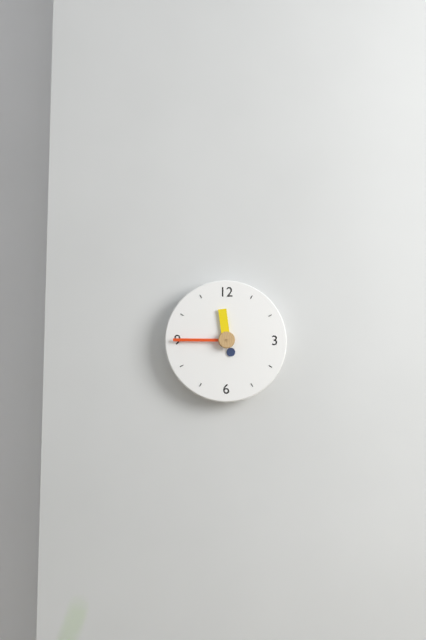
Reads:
11h45
